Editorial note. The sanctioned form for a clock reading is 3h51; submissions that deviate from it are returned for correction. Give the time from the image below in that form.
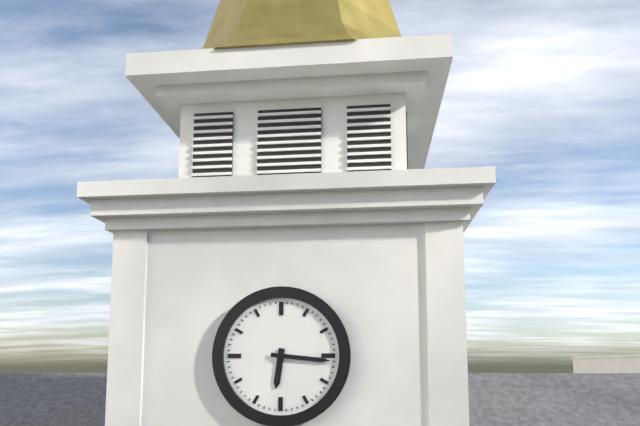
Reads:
6h16
